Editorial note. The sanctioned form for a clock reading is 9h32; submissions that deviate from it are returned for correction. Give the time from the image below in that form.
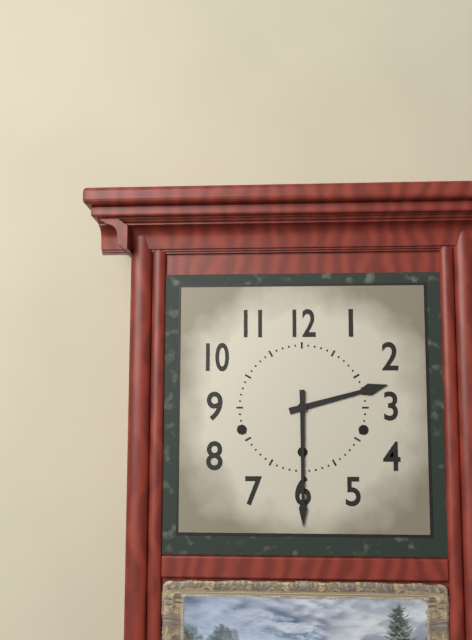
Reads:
2h30
